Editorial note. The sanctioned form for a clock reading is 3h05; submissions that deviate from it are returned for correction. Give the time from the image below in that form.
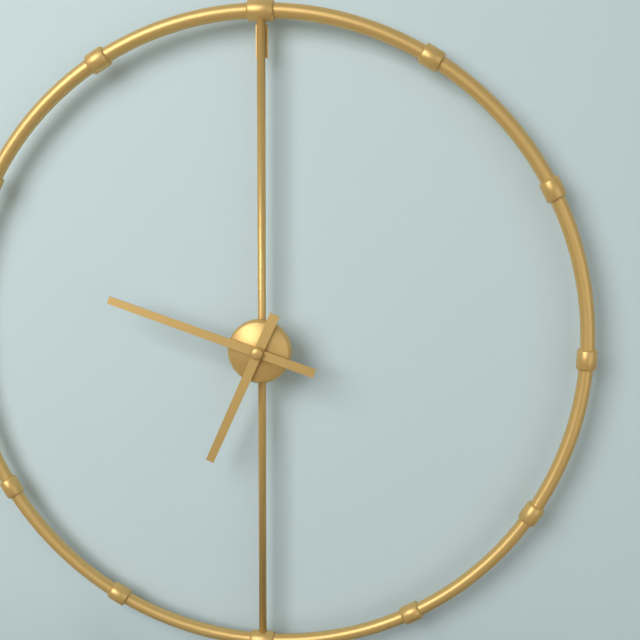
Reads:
6h48
